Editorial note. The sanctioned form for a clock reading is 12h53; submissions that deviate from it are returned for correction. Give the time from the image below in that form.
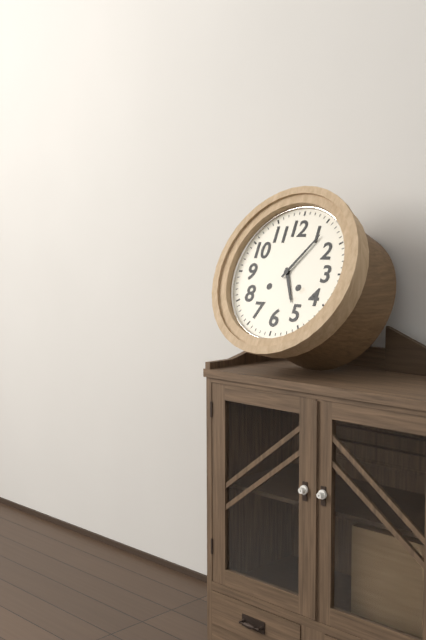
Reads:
5h06
